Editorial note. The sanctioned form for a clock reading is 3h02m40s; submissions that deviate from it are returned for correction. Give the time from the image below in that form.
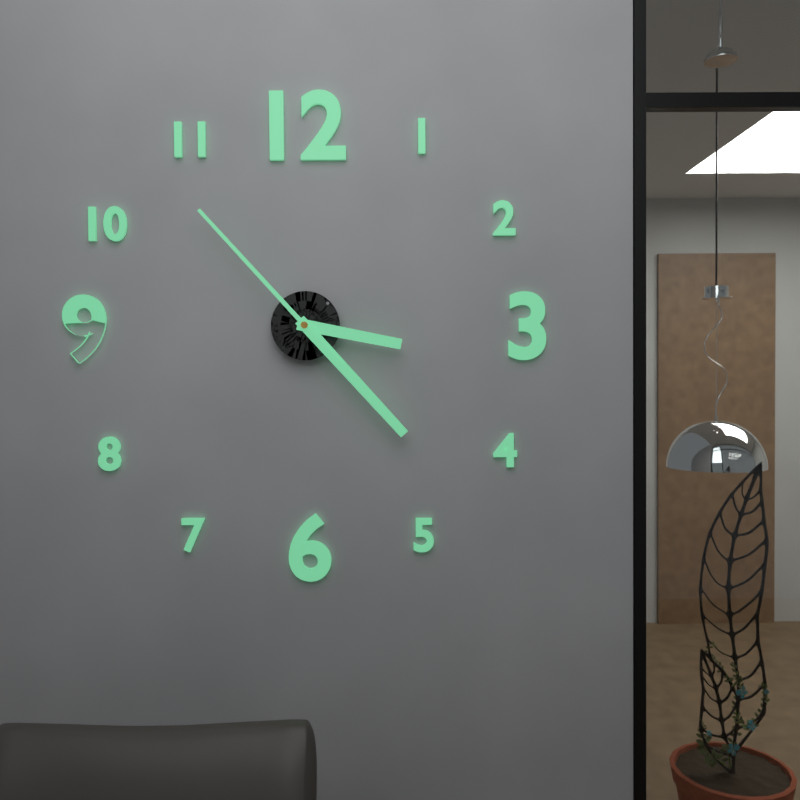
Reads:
3h23m53s
